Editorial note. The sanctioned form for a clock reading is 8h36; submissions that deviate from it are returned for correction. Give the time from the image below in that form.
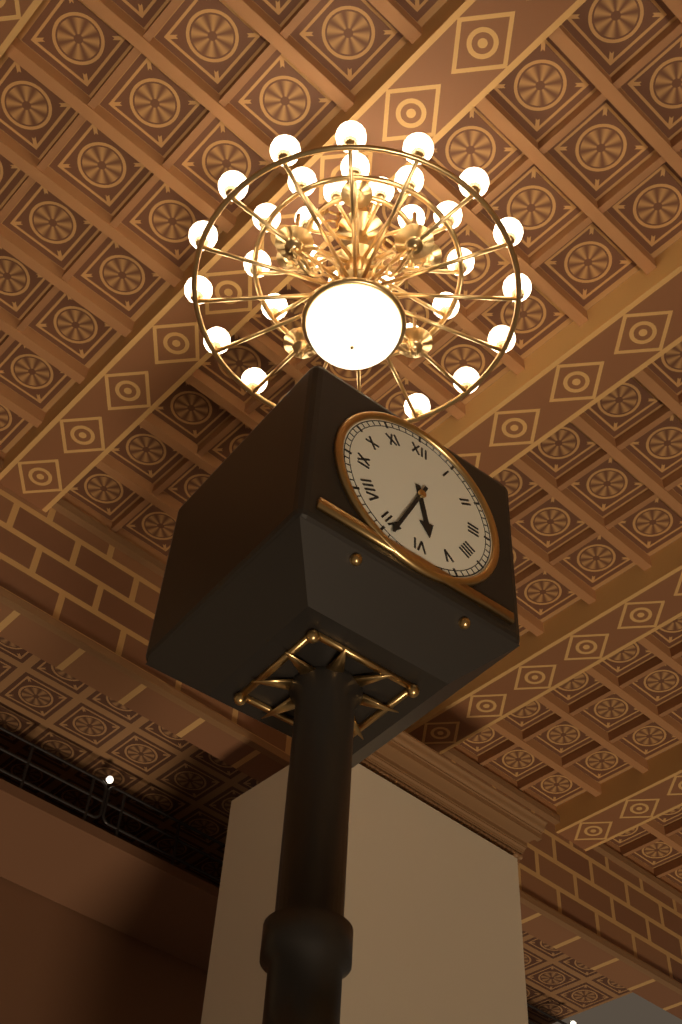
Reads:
5h34
